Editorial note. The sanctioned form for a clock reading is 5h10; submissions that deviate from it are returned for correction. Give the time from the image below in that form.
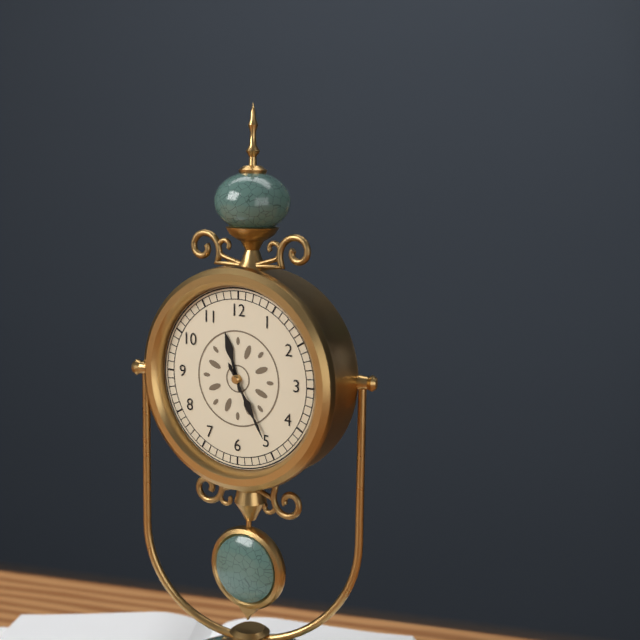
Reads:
11h25
